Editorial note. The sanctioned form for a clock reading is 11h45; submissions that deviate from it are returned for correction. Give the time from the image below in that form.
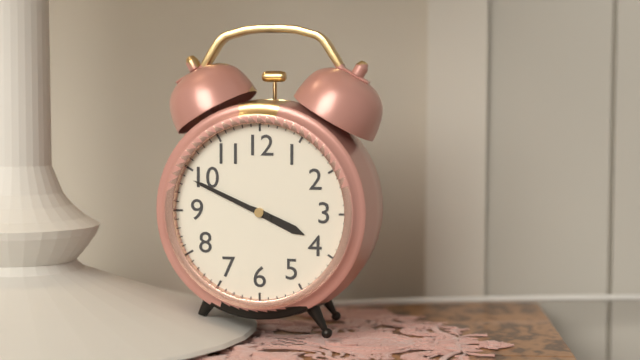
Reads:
3h49
